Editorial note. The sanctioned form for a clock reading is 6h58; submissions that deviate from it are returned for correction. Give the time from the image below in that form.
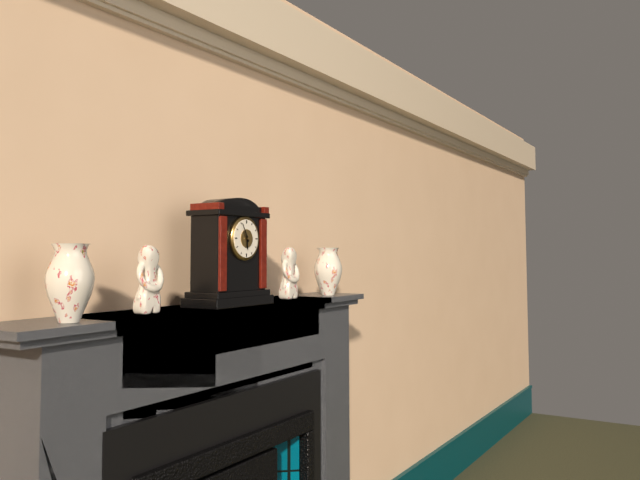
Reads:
5h55
